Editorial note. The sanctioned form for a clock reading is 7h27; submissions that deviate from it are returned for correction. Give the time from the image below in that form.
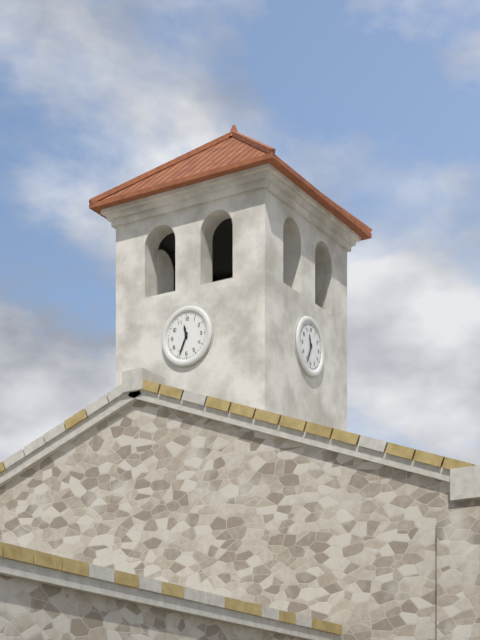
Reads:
11h34
